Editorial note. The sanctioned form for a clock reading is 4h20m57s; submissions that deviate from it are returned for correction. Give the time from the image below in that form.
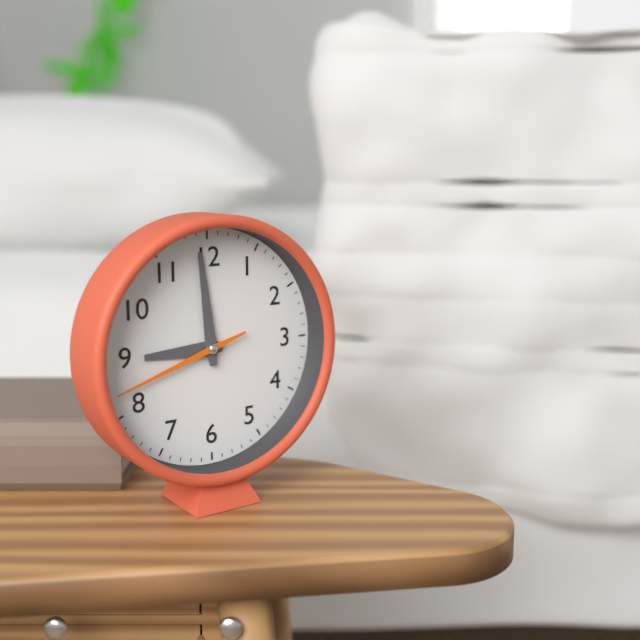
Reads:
8h59m42s
